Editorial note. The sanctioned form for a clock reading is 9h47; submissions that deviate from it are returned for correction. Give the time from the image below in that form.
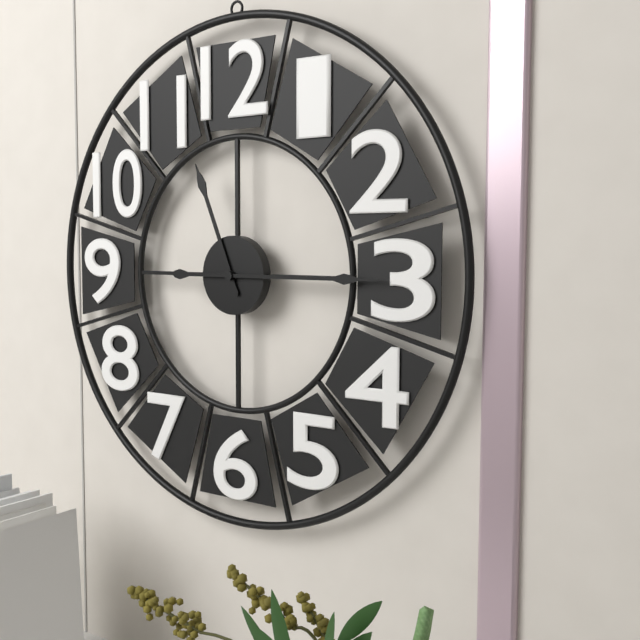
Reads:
11h15
